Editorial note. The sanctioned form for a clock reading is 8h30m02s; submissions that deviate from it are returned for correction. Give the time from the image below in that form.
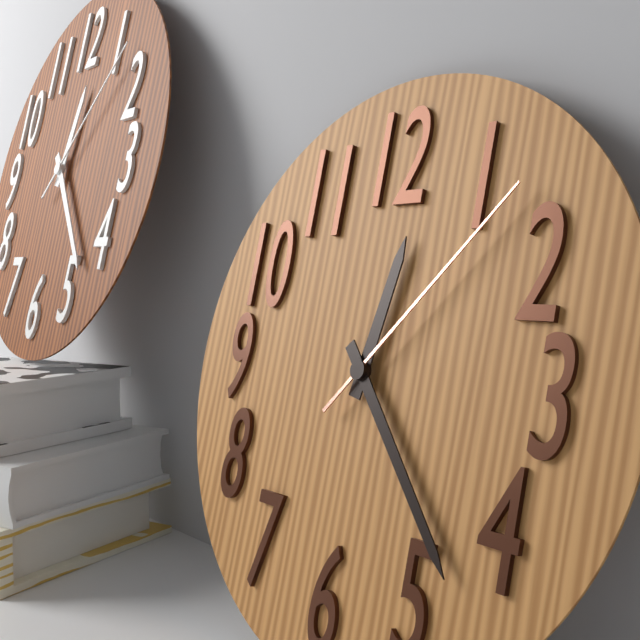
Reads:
12h23m07s
